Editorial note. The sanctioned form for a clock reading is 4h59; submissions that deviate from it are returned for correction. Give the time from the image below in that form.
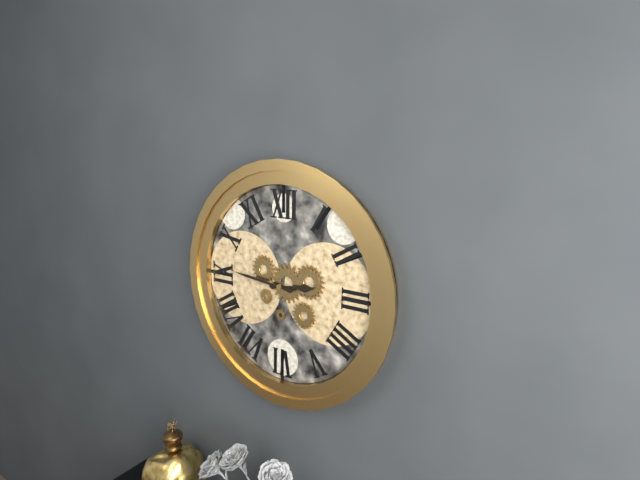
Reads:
2h46
